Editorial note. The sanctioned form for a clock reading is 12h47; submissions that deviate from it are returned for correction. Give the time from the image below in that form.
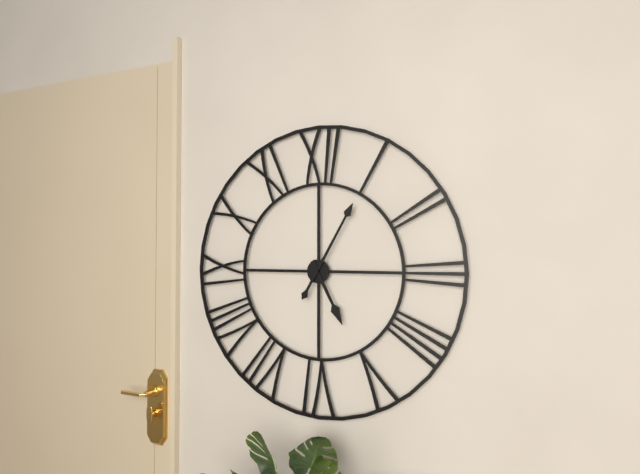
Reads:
5h05
